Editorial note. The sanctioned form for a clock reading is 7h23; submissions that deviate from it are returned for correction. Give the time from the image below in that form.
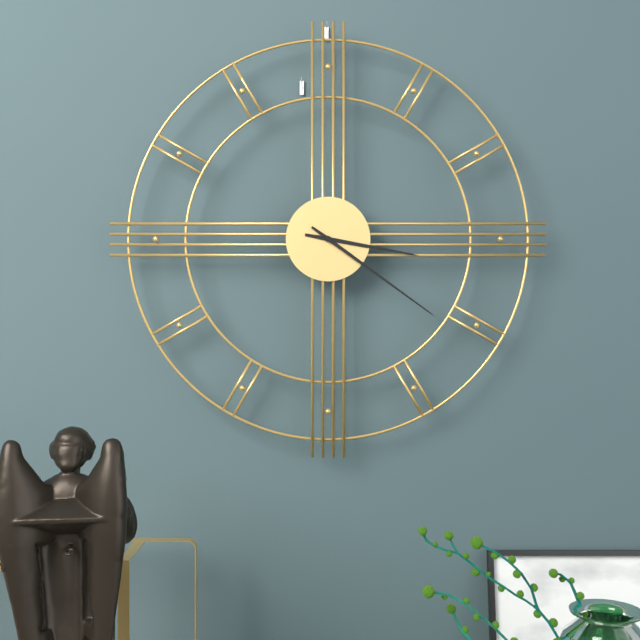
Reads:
3h21
